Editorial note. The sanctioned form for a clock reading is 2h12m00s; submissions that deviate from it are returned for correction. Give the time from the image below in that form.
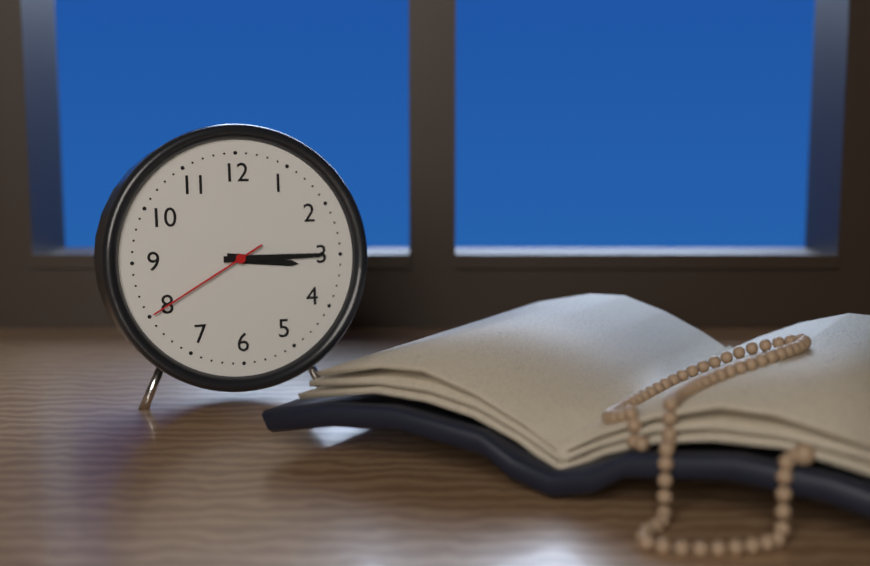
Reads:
3h15m40s
